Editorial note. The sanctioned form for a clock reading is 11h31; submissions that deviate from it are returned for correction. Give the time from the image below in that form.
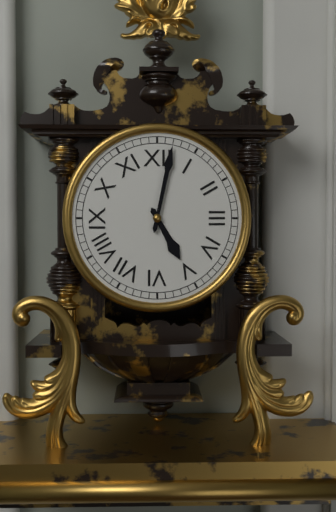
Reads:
5h02
